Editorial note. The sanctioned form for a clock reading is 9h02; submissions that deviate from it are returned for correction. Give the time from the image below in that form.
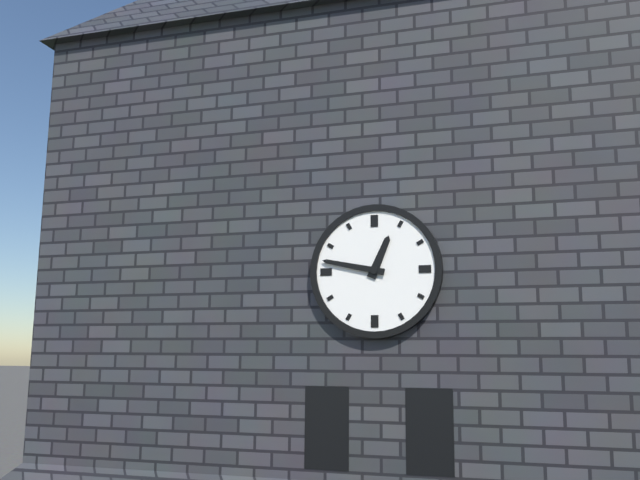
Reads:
12h47
